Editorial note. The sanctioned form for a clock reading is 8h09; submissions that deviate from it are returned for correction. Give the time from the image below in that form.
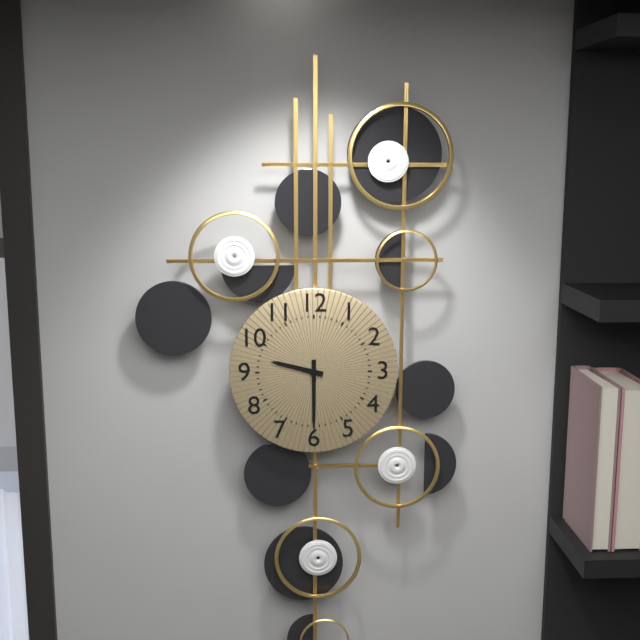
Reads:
9h30
